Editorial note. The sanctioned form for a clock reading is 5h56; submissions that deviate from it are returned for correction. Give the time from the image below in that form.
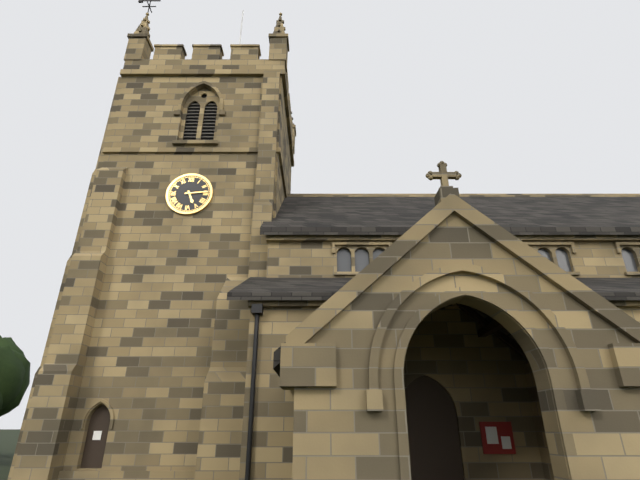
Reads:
5h14
